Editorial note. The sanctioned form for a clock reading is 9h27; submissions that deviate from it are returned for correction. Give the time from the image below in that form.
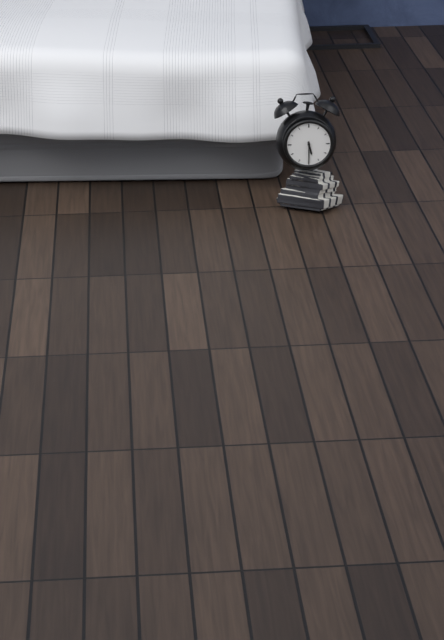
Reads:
5h30
